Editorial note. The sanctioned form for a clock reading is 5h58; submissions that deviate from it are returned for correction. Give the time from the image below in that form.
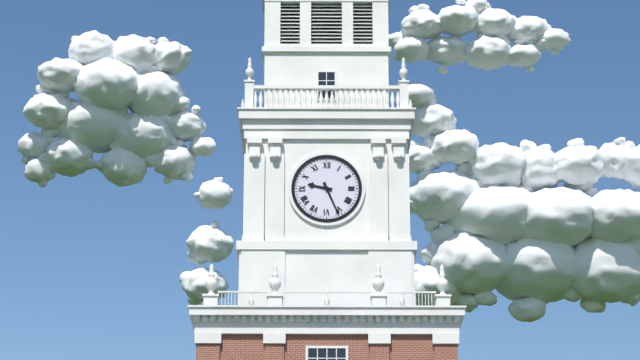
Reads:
9h26
